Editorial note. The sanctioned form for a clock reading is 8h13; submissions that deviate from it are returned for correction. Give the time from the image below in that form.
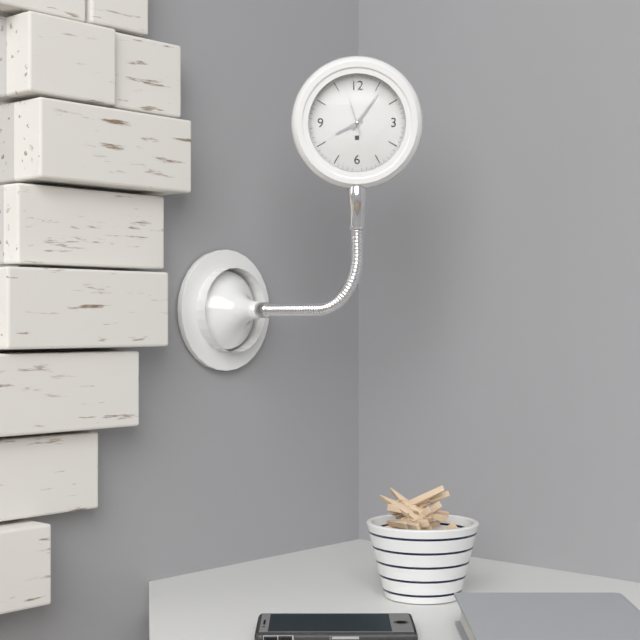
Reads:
8h06
